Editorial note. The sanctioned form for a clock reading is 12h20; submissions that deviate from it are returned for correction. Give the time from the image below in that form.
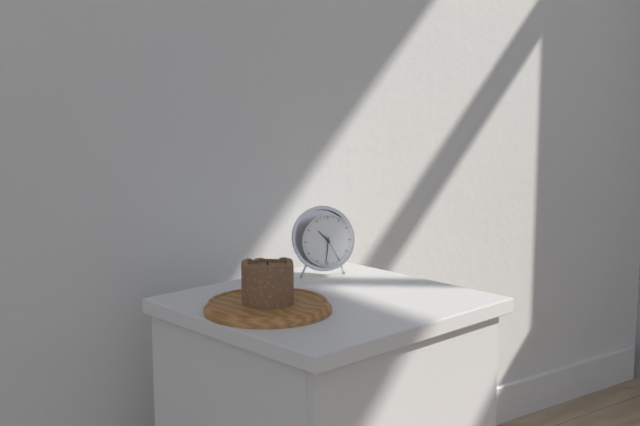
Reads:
10h31
